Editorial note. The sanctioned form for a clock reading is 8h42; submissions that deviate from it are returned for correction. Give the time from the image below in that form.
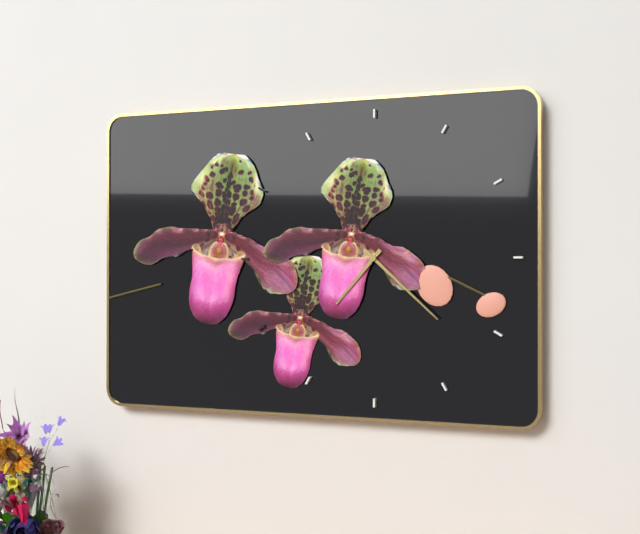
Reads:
7h22
